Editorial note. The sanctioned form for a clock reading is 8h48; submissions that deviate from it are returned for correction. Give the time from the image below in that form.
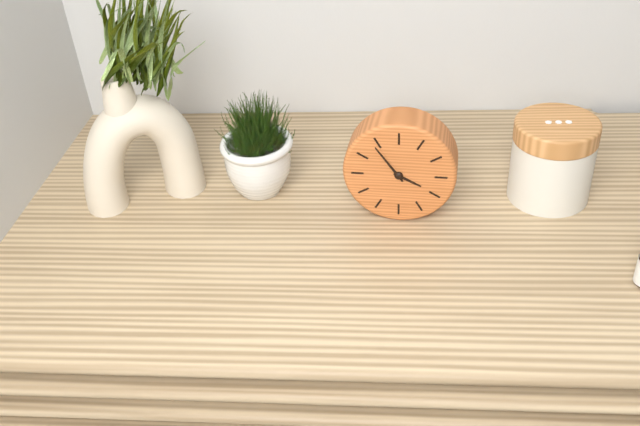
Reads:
3h54
